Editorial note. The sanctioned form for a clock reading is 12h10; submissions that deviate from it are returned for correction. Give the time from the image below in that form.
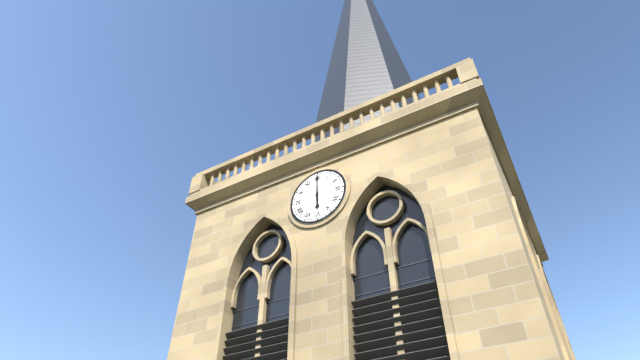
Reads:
6h00
